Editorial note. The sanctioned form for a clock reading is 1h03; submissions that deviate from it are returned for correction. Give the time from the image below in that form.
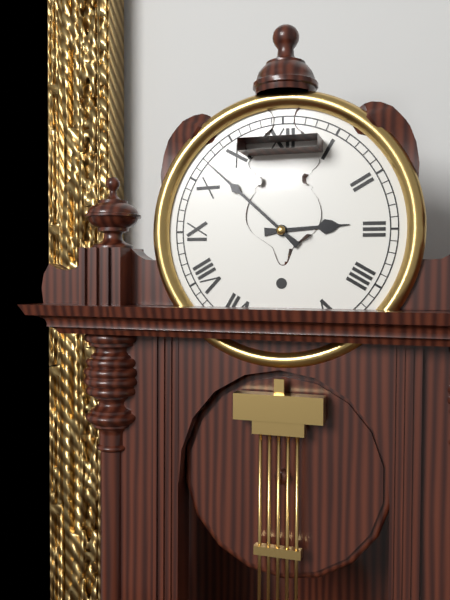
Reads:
2h52
